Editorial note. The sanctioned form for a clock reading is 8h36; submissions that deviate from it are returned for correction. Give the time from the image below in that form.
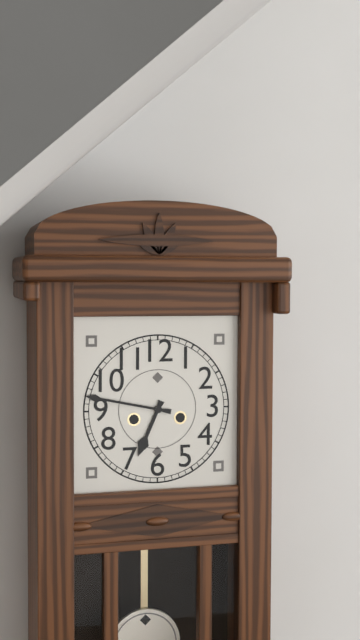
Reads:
6h47
